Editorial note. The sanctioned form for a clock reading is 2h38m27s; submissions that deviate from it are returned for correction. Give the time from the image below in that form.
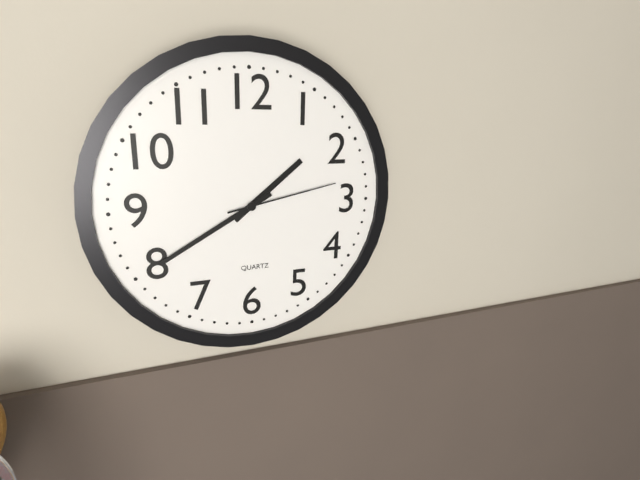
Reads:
1h40m13s
